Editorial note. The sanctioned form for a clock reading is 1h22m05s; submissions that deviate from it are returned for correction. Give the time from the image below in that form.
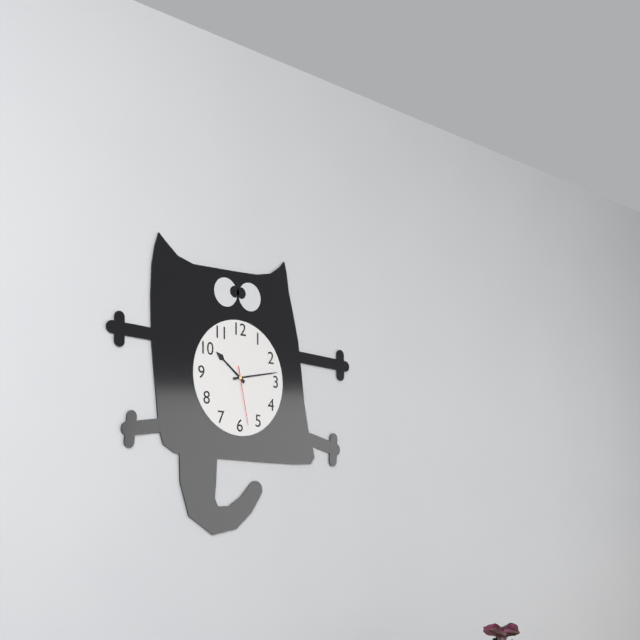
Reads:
10h13m28s
